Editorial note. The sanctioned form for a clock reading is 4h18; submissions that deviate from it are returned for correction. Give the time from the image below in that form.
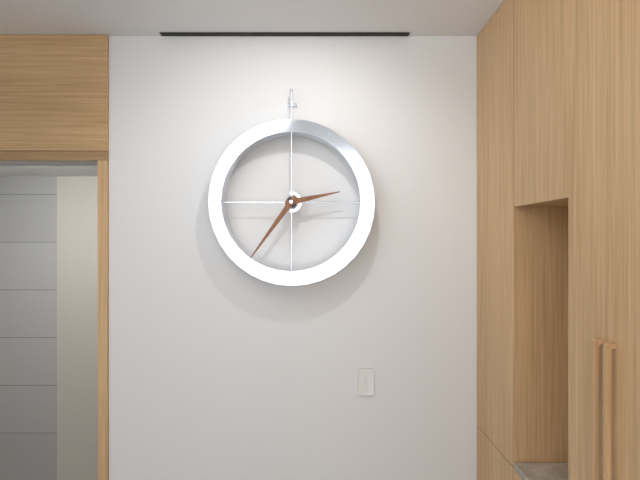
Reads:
2h36
